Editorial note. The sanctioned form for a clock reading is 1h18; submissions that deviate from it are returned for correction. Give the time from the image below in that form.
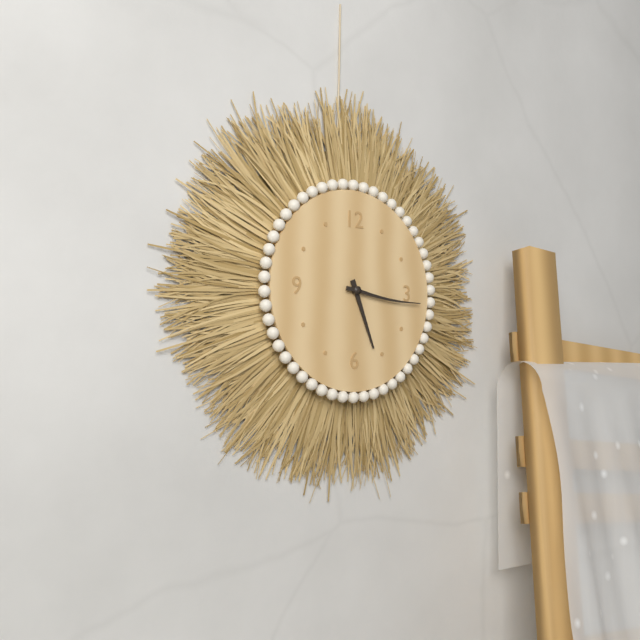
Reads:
5h16
